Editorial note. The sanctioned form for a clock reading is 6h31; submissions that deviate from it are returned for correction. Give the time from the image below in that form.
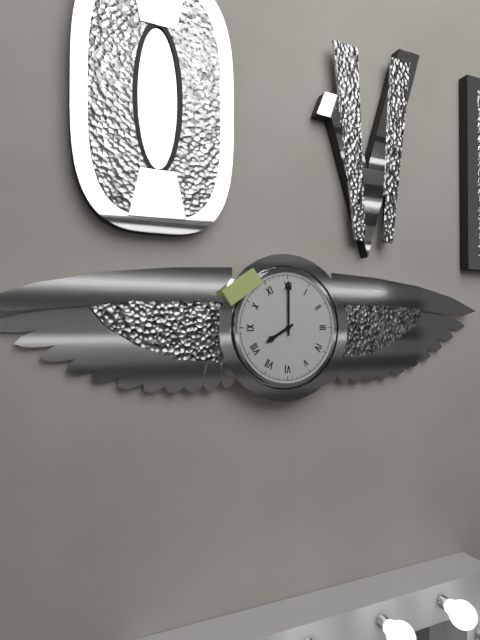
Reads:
8h00
